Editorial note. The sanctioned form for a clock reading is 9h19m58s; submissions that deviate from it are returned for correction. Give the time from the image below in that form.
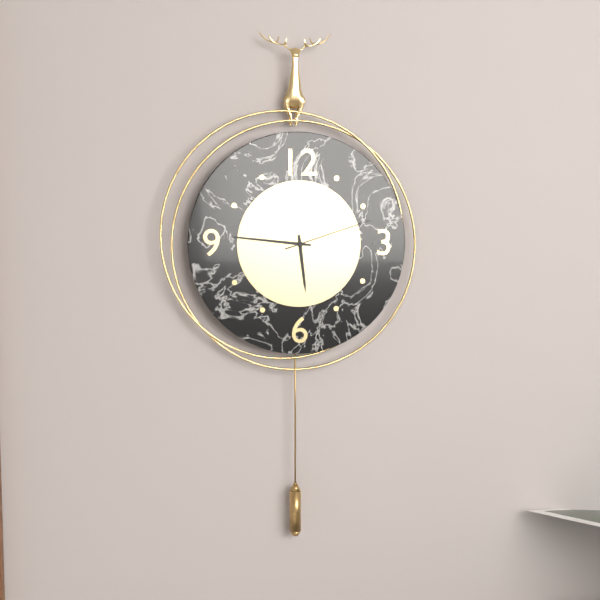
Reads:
5h46m12s
